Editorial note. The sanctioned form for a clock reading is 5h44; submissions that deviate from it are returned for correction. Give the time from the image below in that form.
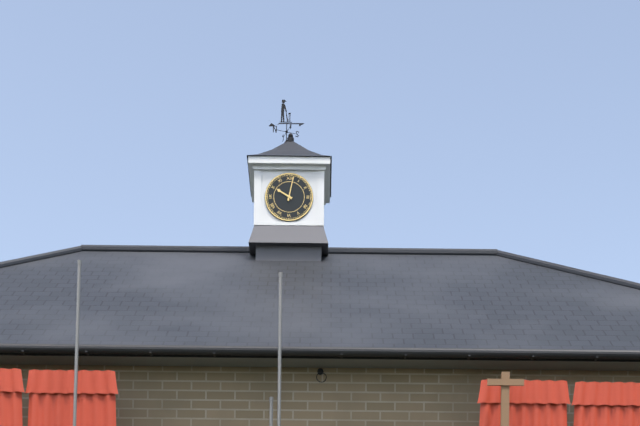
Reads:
10h02
